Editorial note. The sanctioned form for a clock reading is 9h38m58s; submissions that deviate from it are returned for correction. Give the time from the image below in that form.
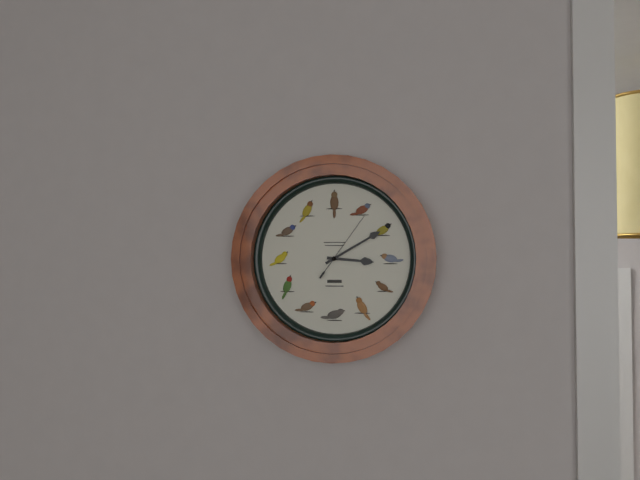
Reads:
3h10m06s
